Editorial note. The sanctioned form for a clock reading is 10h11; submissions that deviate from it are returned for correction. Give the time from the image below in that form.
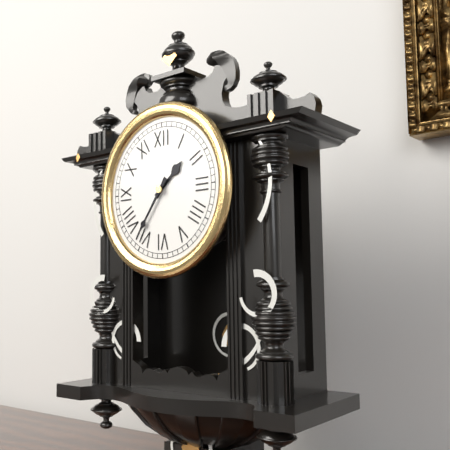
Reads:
1h36
